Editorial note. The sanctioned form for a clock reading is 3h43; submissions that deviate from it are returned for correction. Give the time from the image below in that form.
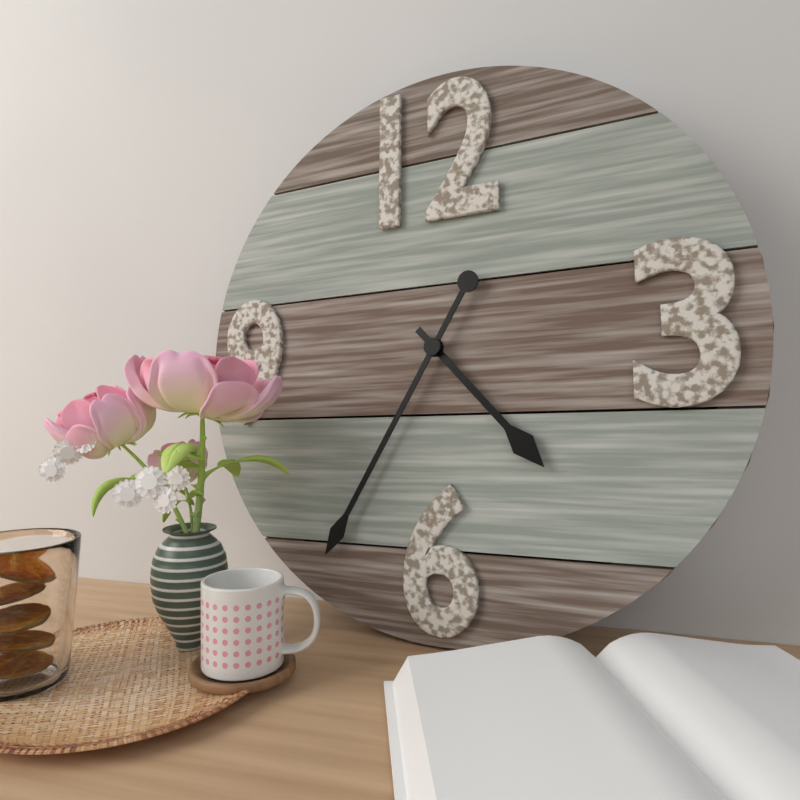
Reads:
4h35
